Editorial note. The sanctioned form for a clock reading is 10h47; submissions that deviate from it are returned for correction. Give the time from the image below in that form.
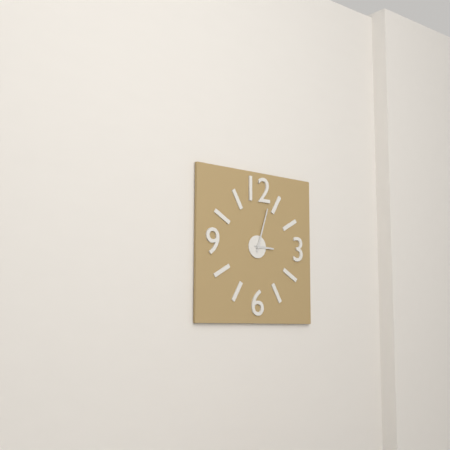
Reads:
3h03
